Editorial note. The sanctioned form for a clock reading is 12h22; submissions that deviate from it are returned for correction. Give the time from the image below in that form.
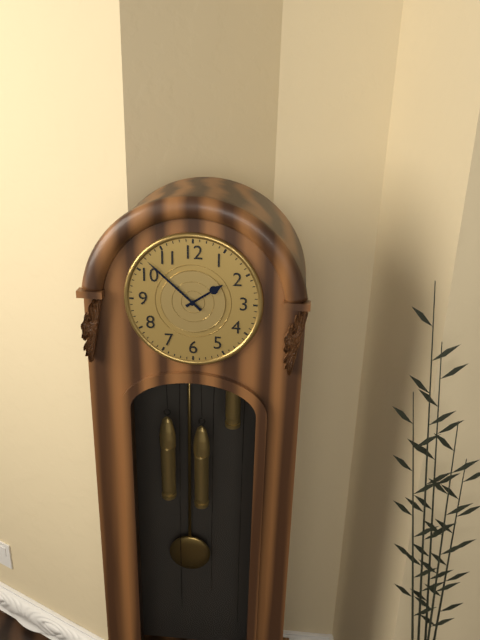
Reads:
1h52
